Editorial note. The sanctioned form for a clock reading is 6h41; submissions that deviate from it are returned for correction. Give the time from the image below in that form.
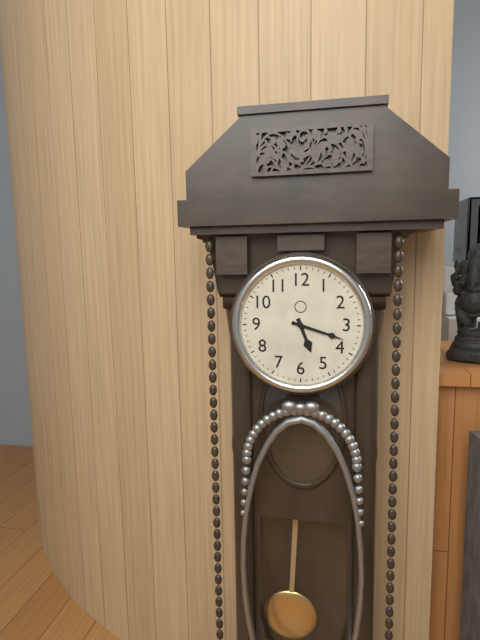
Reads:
5h18
